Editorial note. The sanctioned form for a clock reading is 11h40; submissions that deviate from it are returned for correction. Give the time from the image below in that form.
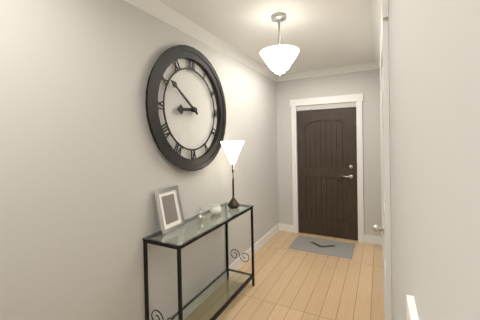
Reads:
8h51
